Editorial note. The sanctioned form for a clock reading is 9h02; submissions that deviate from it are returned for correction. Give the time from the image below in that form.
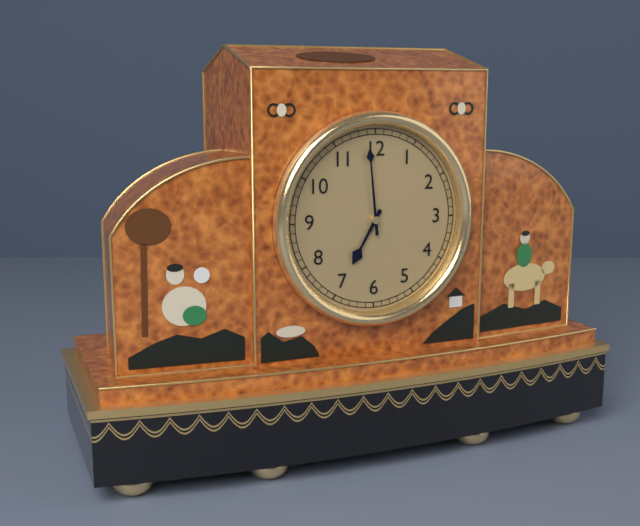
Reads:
6h59
